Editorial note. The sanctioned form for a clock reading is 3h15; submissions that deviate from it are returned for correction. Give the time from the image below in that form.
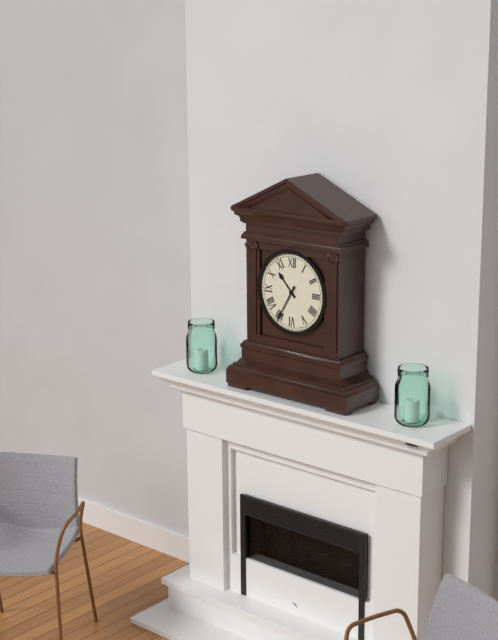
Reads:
10h35
